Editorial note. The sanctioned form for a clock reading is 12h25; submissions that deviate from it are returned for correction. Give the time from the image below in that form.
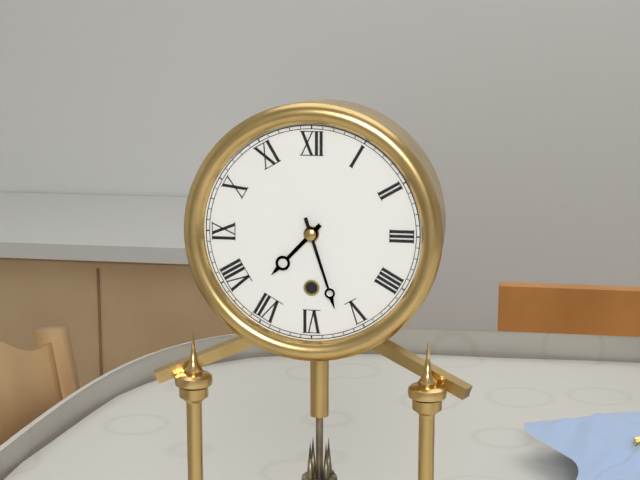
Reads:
7h27
